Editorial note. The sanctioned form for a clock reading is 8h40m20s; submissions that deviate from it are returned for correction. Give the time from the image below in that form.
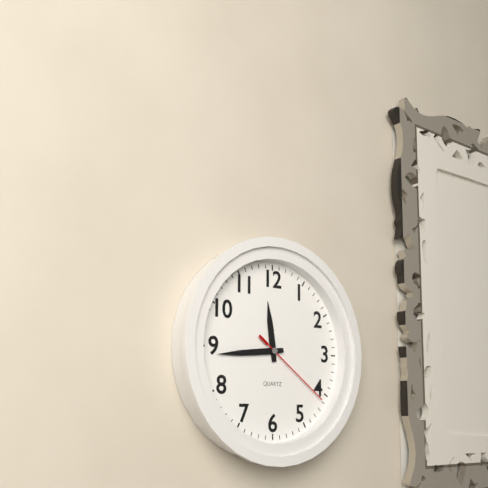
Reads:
11h44m21s
